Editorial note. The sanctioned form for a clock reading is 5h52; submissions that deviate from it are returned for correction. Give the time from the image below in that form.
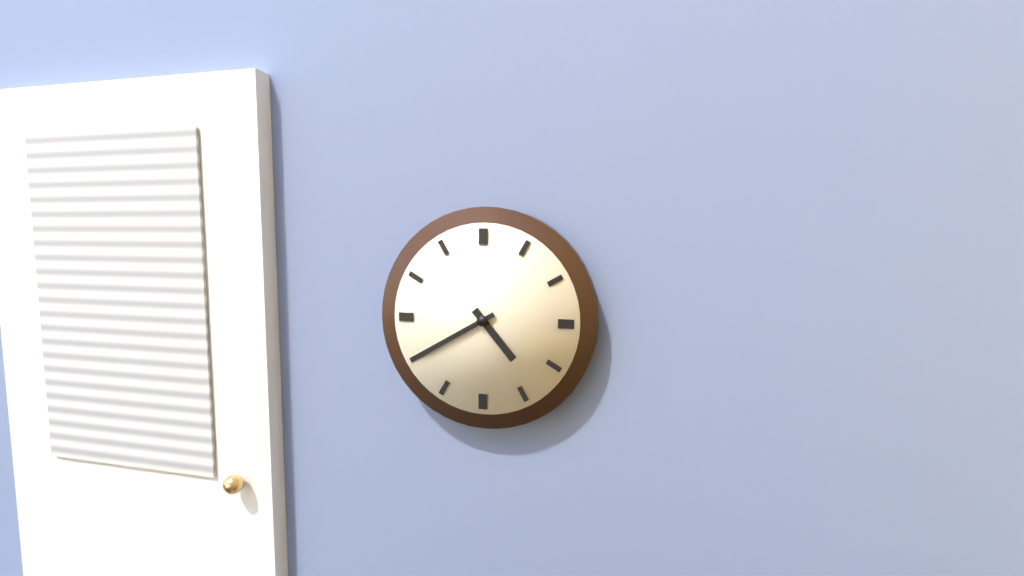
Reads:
4h40
